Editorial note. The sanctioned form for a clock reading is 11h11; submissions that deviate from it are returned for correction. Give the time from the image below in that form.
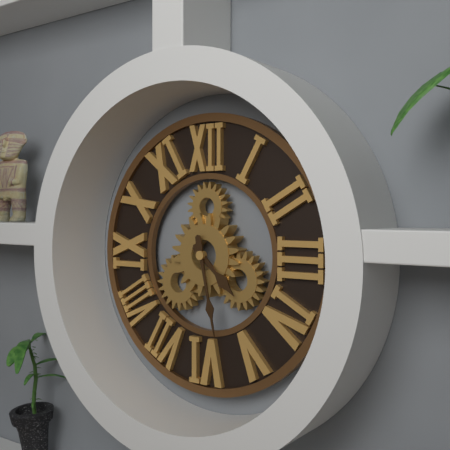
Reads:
4h28
